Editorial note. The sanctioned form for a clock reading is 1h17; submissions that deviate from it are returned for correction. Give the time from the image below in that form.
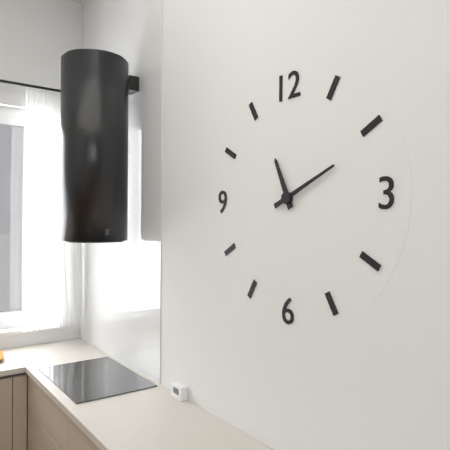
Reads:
11h11
